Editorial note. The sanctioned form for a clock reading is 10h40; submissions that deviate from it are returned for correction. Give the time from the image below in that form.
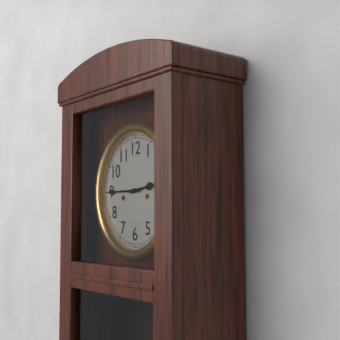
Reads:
2h45
